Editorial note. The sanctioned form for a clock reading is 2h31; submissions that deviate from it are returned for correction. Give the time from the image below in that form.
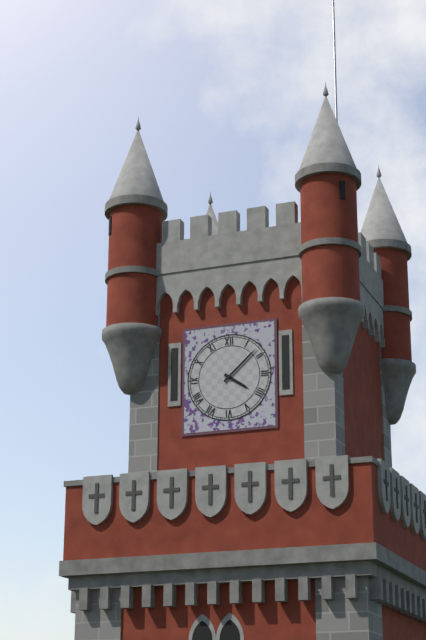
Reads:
4h08
